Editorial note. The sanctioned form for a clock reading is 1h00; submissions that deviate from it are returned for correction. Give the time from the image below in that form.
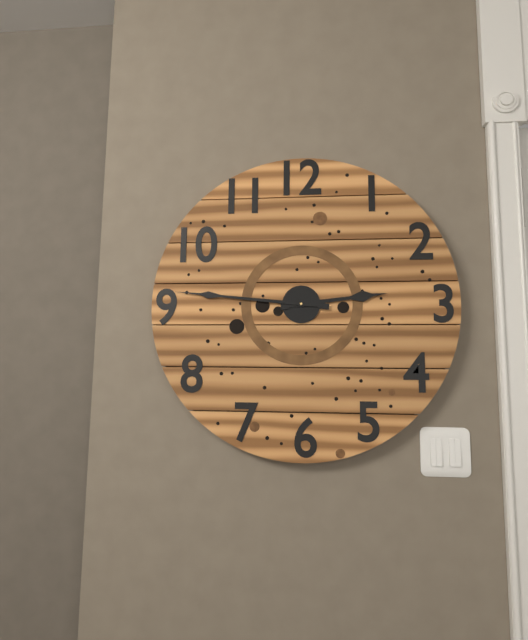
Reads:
2h46
